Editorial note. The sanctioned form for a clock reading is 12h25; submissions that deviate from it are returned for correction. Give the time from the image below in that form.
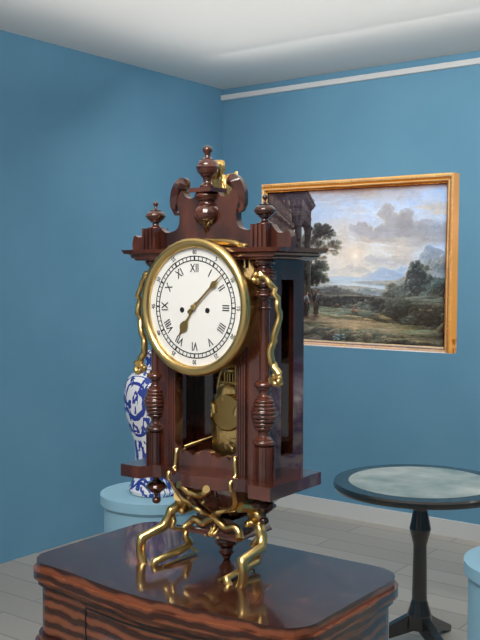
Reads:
7h08
